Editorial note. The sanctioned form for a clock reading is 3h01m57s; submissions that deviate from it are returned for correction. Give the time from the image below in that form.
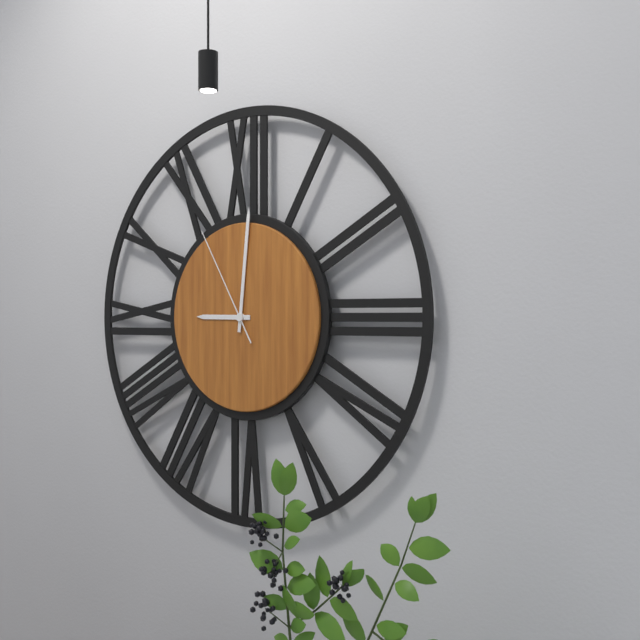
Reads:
9h01m55s
